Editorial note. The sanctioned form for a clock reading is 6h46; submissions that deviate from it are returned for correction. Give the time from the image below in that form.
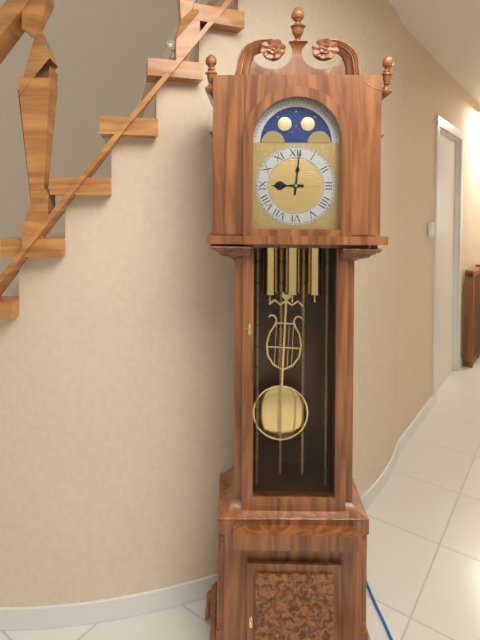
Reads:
9h01
